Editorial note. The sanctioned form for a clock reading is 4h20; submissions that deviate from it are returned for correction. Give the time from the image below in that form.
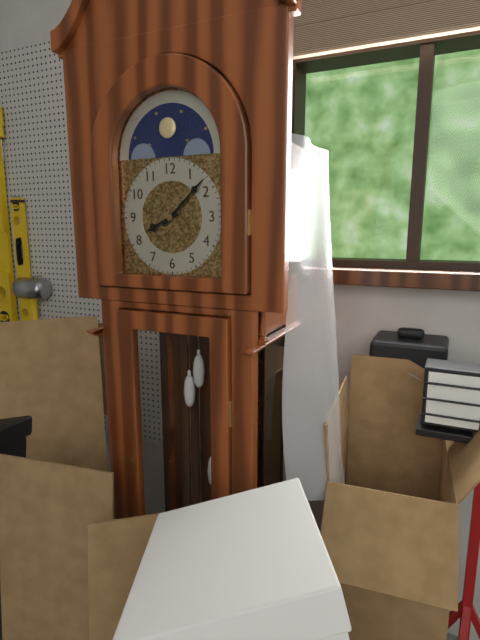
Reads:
8h08
